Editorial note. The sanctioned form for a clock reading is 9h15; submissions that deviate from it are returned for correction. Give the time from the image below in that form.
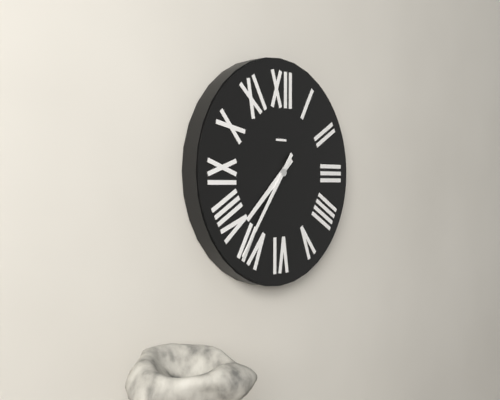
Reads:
7h36
